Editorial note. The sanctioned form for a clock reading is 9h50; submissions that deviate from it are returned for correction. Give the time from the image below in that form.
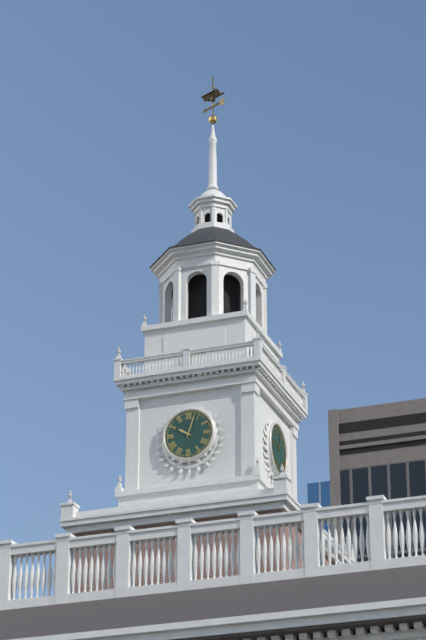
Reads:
10h03
